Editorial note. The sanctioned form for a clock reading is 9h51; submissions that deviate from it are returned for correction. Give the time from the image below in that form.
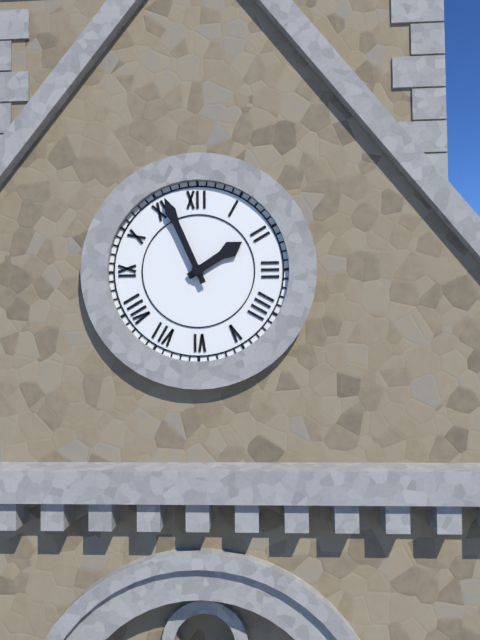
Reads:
1h56
